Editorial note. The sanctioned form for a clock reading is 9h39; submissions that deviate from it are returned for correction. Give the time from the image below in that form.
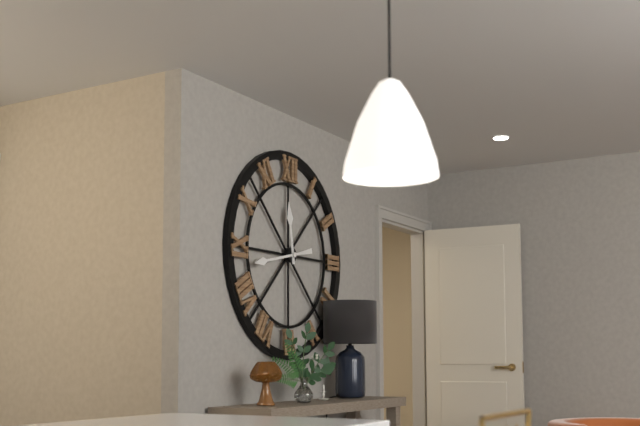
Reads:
11h43
